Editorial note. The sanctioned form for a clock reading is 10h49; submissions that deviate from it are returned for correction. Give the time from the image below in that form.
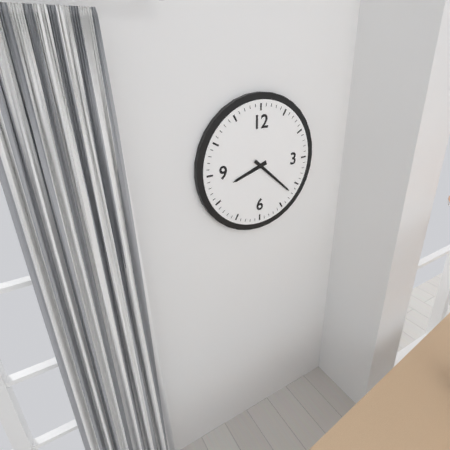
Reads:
8h22
